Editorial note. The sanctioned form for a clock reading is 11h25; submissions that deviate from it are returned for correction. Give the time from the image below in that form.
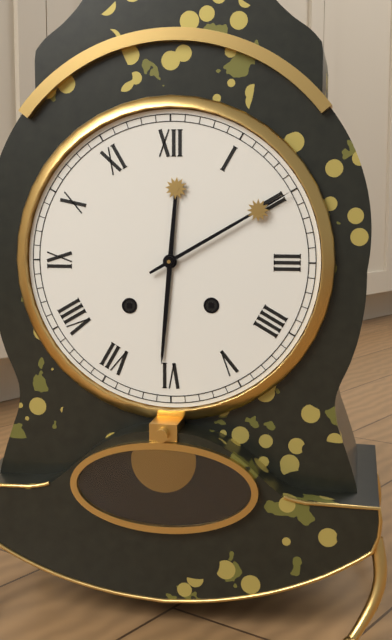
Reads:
6h10
